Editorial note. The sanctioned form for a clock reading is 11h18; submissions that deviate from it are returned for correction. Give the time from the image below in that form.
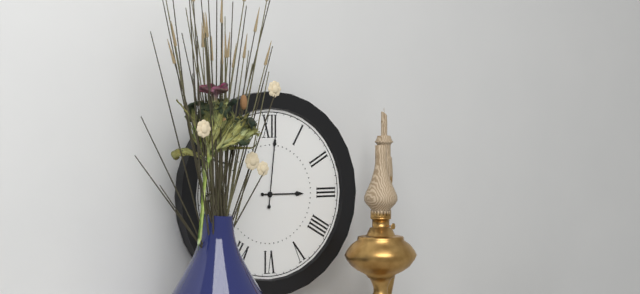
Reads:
3h01
